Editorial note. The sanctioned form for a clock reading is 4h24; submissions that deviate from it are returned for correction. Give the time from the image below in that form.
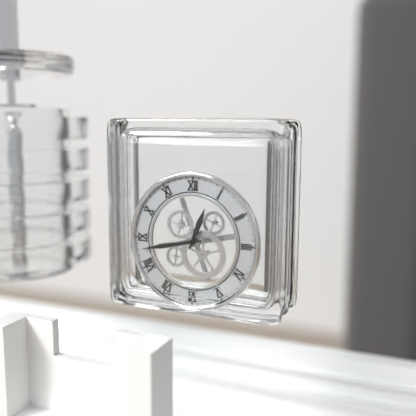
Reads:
12h43
